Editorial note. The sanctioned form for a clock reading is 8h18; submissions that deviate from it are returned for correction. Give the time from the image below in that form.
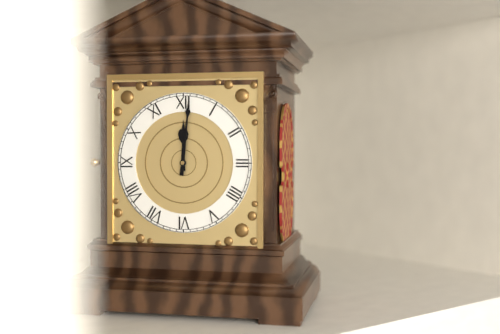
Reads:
12h01
